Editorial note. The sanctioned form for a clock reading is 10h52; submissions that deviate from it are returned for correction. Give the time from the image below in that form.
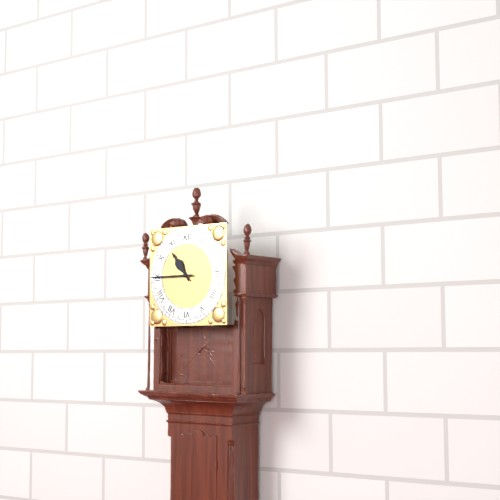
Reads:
10h45
